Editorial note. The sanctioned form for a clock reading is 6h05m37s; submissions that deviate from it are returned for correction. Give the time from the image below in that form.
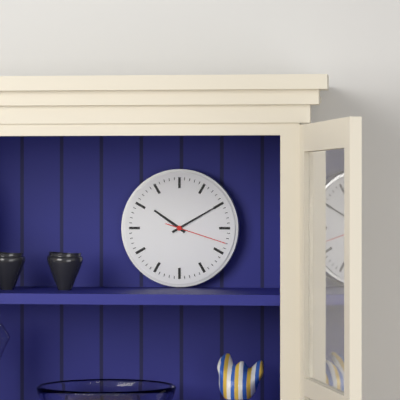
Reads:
10h10m18s
